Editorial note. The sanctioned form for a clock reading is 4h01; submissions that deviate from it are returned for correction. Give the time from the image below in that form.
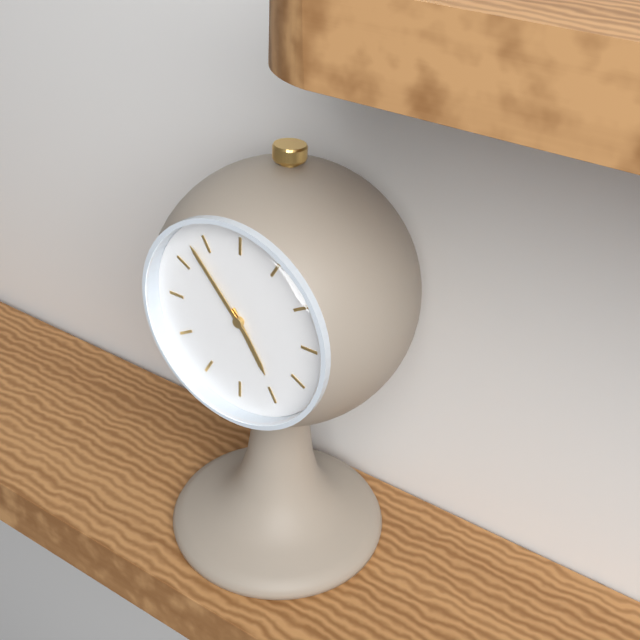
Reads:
4h53
